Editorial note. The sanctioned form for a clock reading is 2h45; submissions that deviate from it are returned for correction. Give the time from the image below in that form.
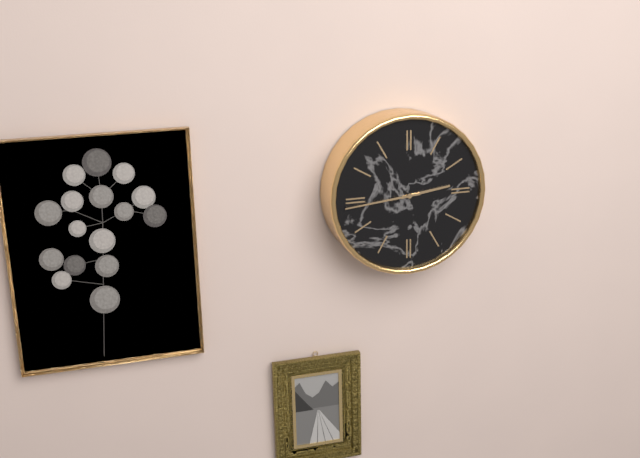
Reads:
2h44
